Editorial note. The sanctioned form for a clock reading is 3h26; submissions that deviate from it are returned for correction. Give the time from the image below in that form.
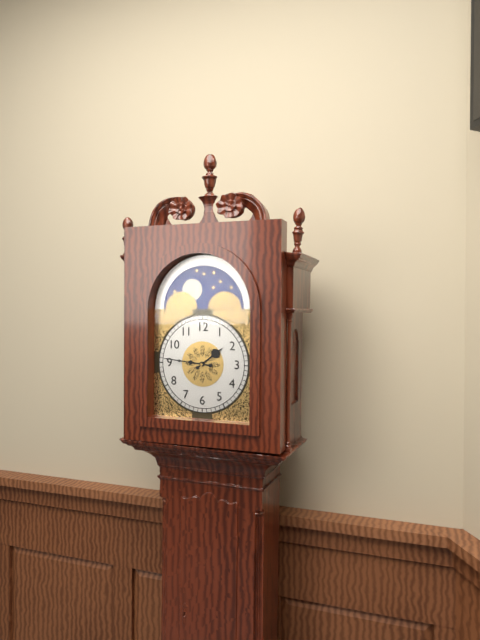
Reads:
1h46
